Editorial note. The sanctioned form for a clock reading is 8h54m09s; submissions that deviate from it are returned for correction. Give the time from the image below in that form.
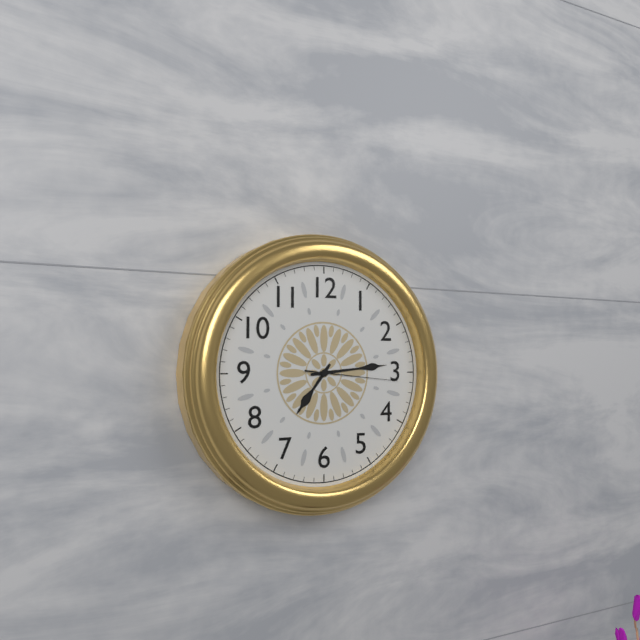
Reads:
7h14m16s
